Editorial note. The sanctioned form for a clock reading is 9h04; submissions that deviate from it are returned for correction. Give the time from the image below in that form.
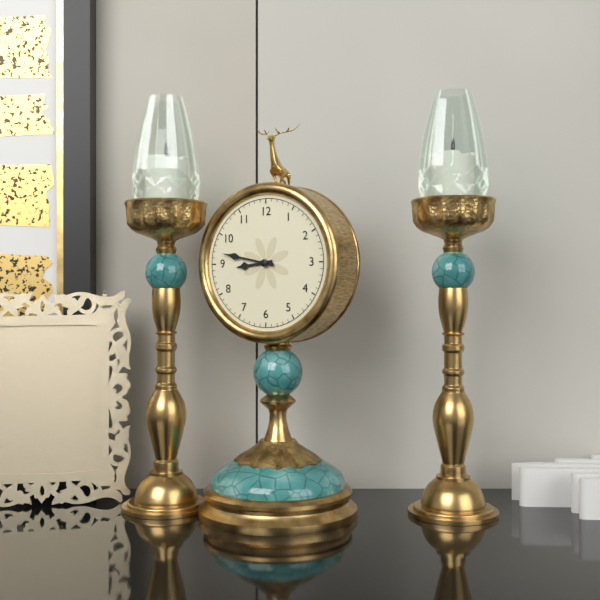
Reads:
8h47
